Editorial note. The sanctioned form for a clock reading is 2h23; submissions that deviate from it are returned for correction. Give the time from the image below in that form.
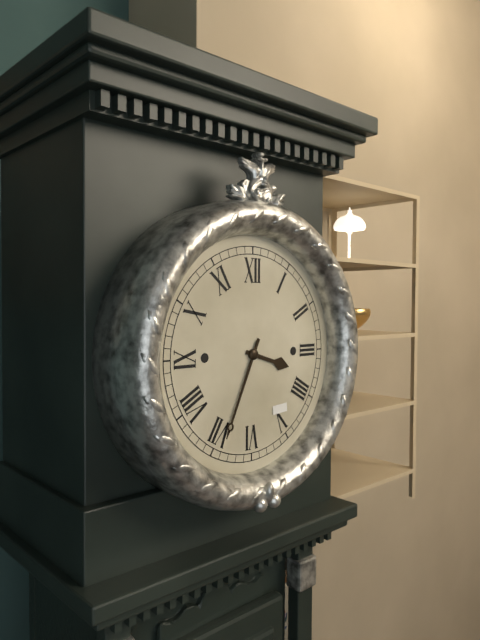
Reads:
3h34
